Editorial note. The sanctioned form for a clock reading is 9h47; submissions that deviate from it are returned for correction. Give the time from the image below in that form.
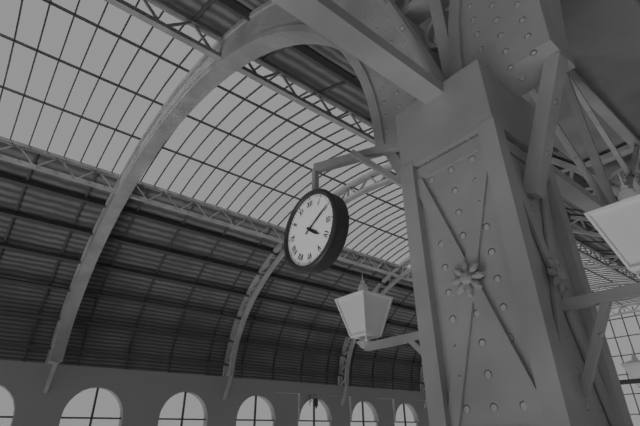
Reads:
4h10
